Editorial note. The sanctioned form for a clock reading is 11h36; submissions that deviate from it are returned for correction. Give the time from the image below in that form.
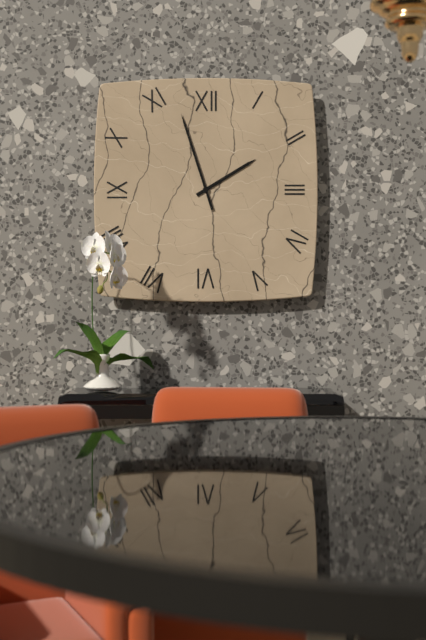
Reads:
1h57
